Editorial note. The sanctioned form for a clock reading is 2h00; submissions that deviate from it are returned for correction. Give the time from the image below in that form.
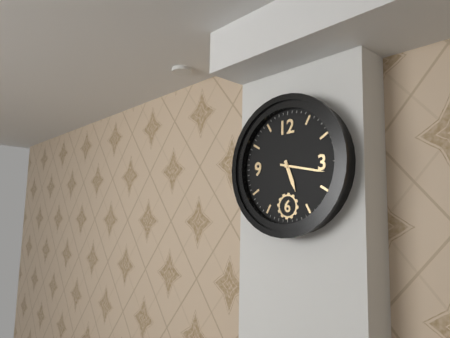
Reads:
5h17
